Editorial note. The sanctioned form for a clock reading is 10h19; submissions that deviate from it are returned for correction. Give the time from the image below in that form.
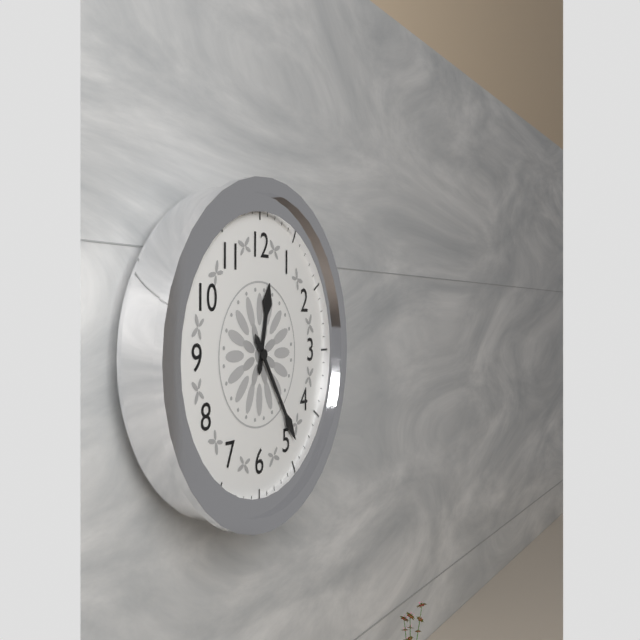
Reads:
12h24
